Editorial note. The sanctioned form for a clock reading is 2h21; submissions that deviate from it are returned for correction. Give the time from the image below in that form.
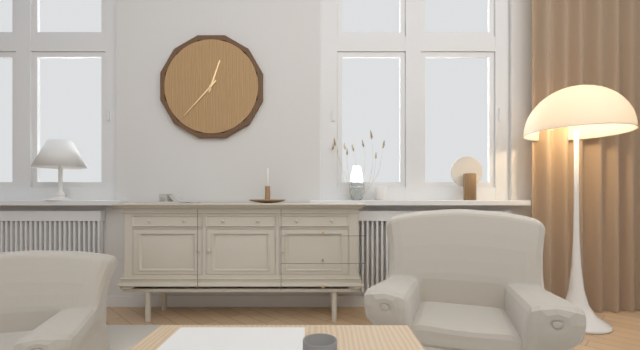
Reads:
12h37
